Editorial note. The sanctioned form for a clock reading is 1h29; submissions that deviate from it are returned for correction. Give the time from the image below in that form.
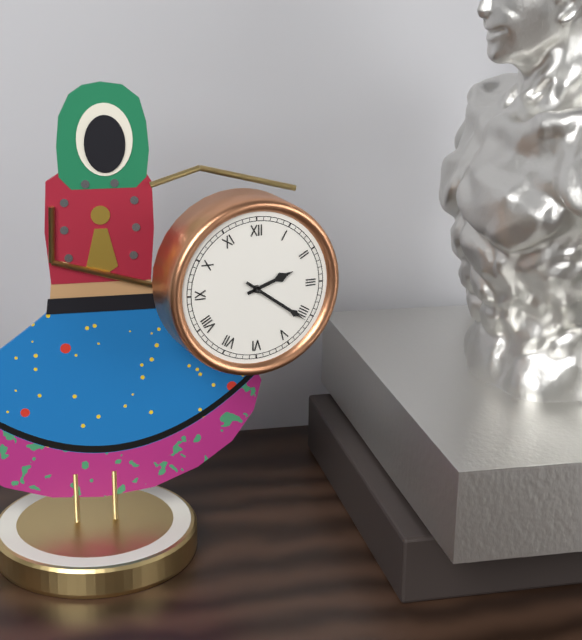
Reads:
2h21
